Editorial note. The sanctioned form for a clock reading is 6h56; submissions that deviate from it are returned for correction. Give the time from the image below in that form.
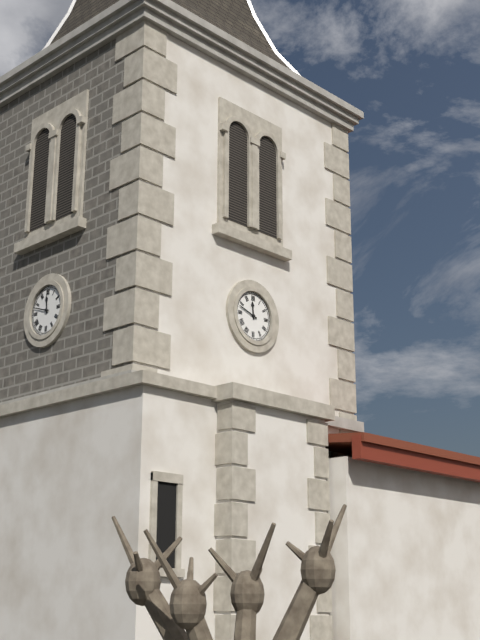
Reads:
11h48
